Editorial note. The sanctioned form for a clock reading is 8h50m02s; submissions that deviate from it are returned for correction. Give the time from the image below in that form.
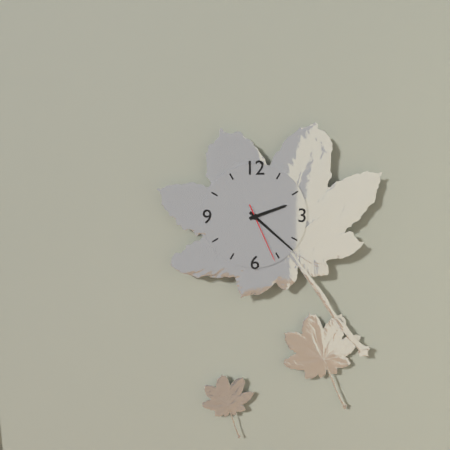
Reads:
2h22m26s
